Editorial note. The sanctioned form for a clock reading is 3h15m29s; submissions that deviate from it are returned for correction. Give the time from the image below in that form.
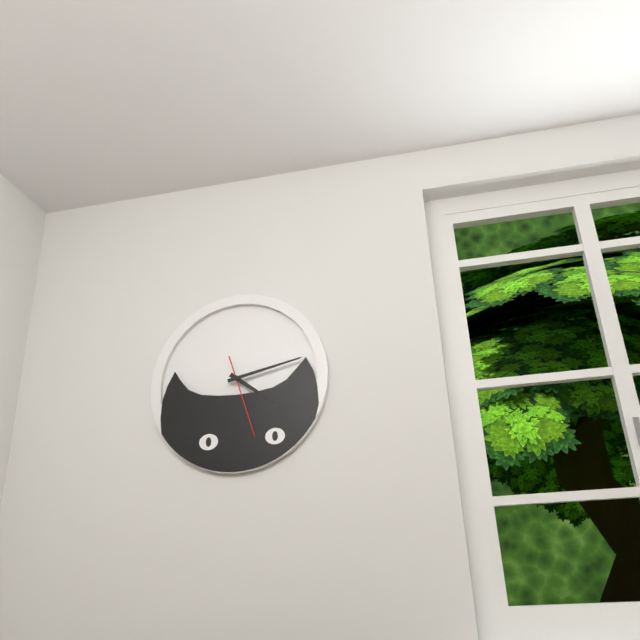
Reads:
4h13m27s
